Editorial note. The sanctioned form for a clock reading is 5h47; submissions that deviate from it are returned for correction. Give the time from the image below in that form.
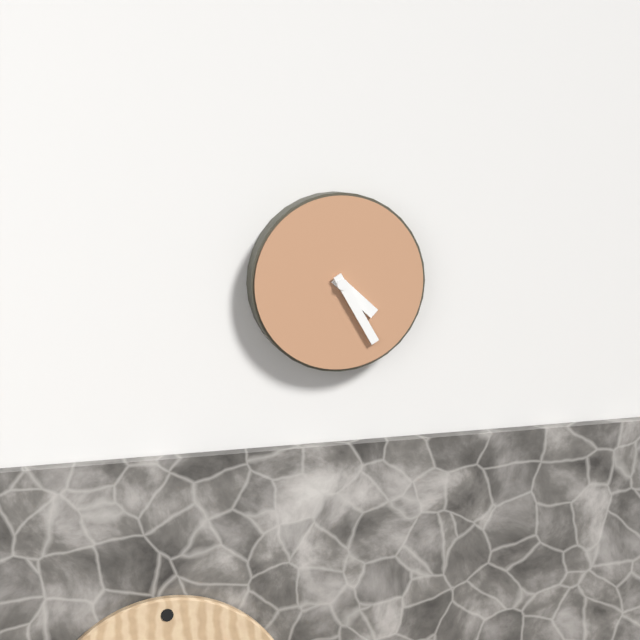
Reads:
4h25
